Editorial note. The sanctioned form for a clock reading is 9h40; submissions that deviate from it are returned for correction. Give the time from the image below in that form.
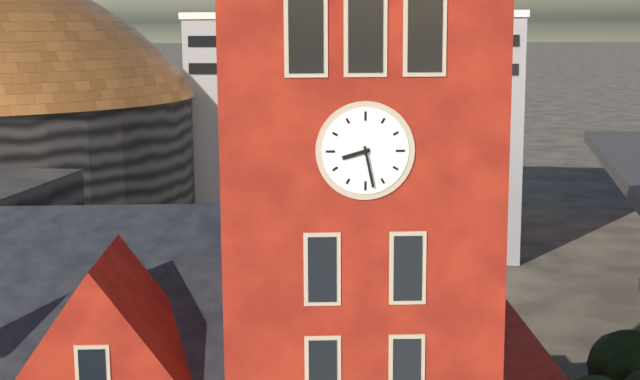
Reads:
8h28
